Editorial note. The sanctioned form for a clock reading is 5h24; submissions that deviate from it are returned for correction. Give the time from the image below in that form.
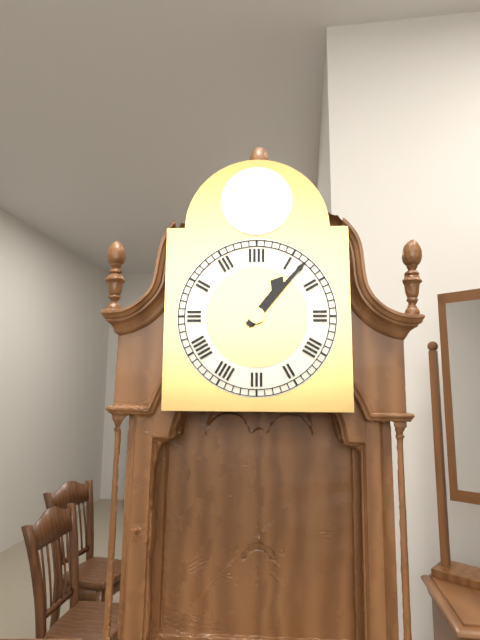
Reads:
1h07
